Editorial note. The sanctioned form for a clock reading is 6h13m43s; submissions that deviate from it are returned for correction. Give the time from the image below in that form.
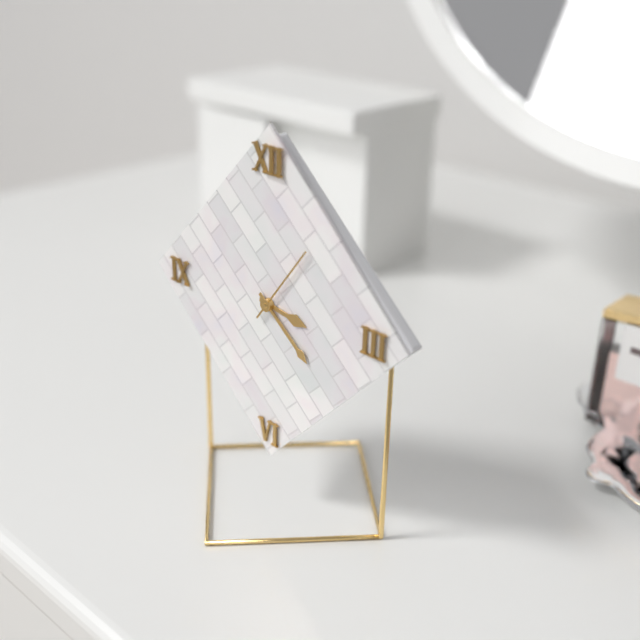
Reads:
3h22m06s
